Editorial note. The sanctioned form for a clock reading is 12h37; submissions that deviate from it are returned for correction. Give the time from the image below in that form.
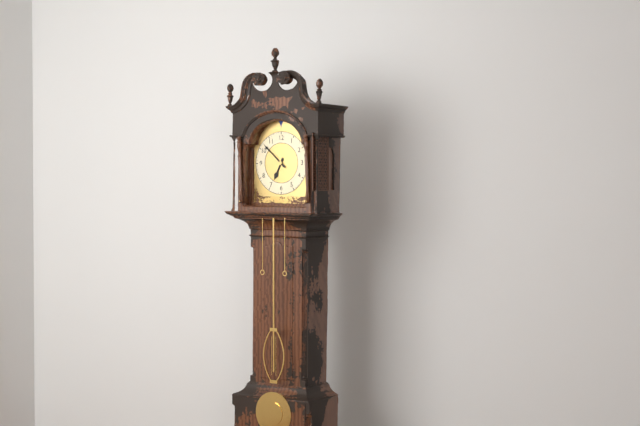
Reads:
6h52
